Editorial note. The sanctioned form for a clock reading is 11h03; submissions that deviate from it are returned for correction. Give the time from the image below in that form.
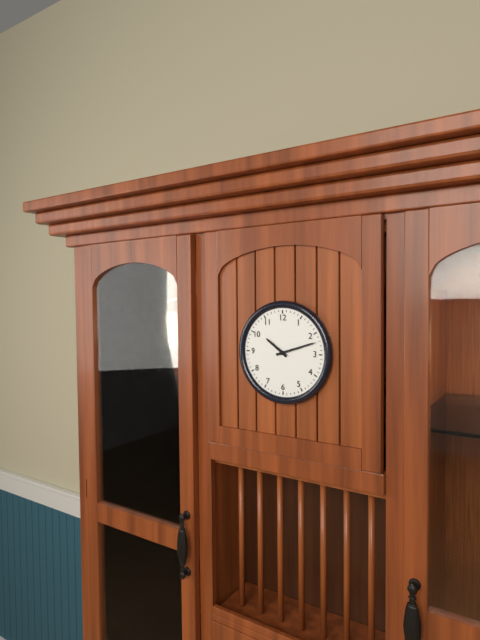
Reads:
10h12
